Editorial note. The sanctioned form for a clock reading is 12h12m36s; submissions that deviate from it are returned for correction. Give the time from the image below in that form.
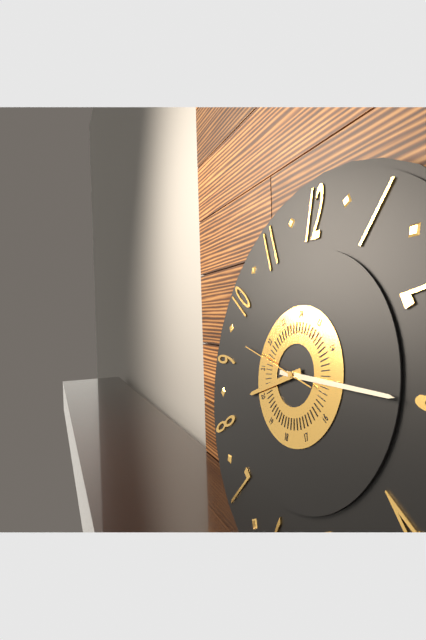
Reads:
8h15m47s
